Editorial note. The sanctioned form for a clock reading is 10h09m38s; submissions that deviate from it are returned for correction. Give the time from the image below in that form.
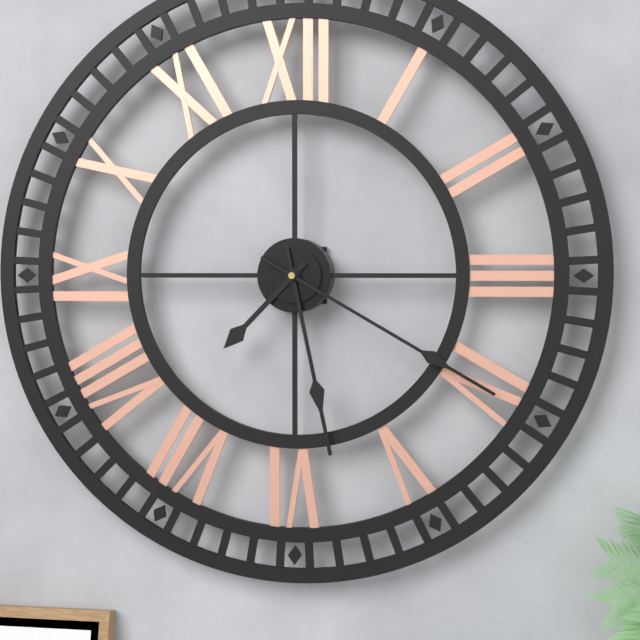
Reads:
7h28m20s
